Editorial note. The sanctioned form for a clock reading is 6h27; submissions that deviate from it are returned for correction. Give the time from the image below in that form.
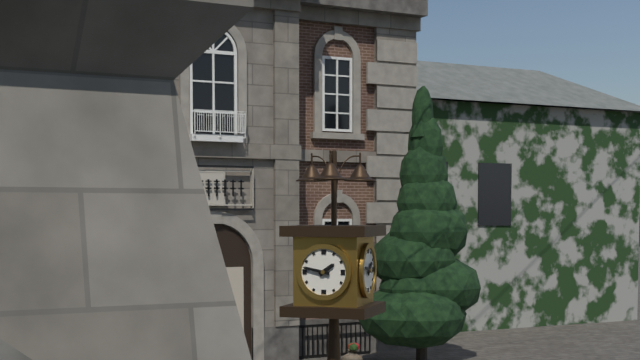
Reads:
1h47
